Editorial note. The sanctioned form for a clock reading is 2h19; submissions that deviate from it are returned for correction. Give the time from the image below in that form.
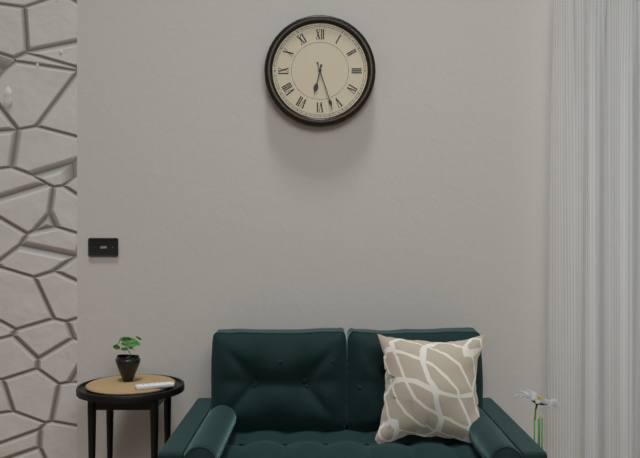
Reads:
6h27
